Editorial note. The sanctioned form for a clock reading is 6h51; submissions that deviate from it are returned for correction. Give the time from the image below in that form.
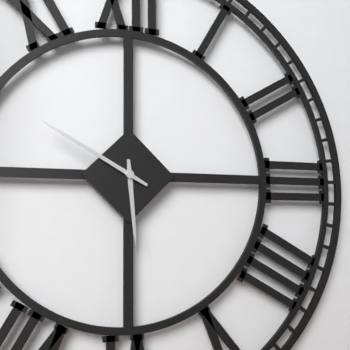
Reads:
5h50
